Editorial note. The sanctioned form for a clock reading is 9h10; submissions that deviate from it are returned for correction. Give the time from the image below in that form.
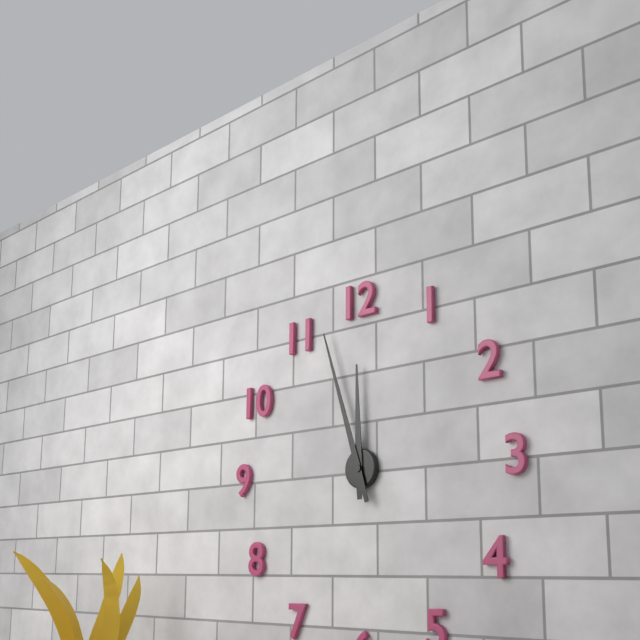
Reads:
11h57
